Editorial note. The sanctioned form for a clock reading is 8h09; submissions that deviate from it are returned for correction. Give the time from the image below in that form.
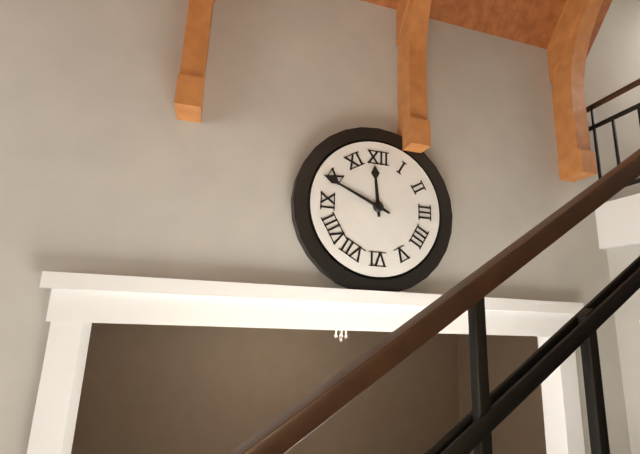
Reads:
11h49
